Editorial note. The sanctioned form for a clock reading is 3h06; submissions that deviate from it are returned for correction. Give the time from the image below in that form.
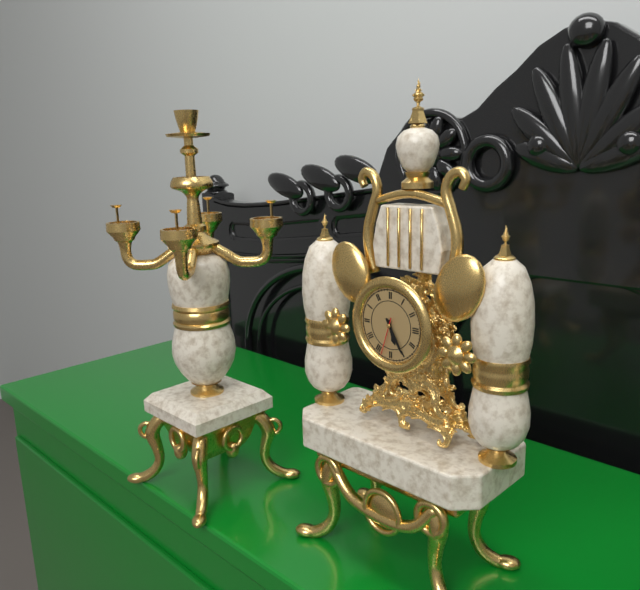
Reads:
5h25
